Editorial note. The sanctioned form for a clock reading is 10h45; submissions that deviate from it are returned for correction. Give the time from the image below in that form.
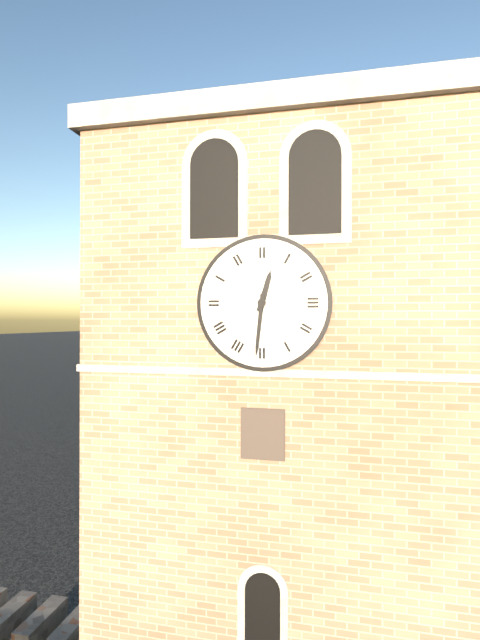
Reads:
12h31
